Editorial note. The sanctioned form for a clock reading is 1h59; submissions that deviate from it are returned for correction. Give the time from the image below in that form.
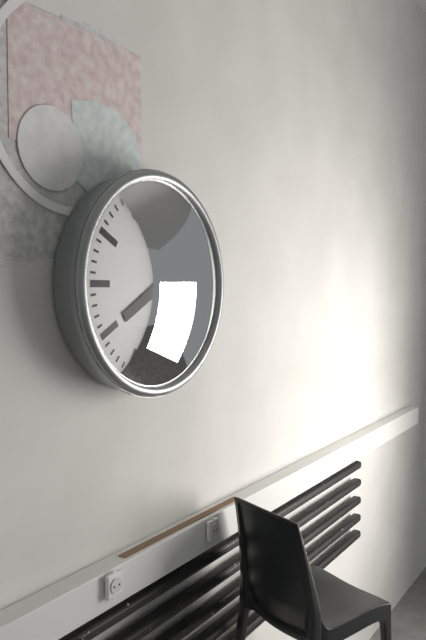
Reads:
8h00
